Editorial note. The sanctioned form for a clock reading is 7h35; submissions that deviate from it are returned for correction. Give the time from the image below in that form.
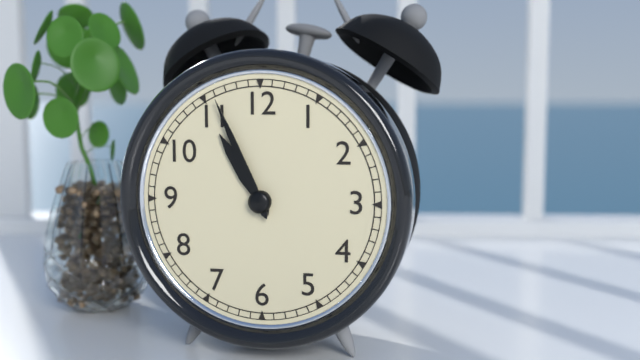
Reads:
10h56
